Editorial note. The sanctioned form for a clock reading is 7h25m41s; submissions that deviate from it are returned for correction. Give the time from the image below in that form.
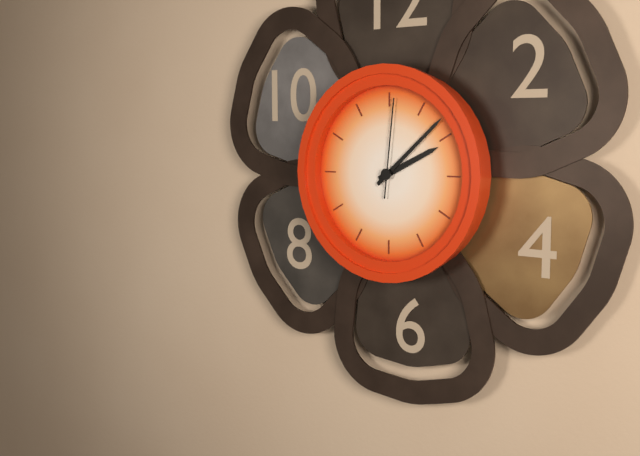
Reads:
2h08m01s
